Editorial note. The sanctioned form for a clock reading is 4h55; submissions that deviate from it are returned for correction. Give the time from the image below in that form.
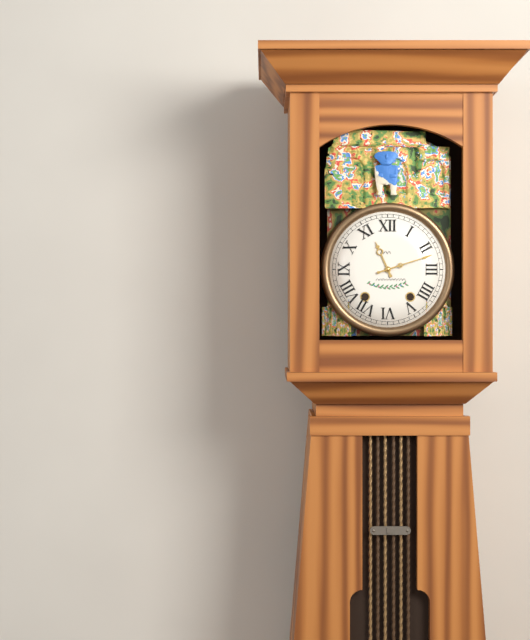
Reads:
11h12
